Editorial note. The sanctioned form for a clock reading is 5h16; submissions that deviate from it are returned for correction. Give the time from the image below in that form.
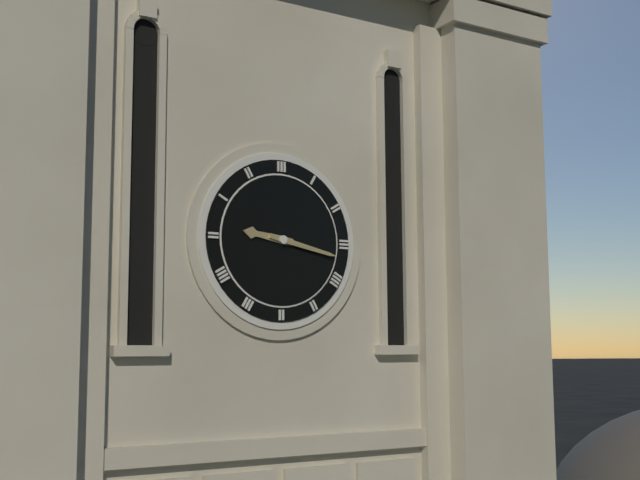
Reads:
9h17
